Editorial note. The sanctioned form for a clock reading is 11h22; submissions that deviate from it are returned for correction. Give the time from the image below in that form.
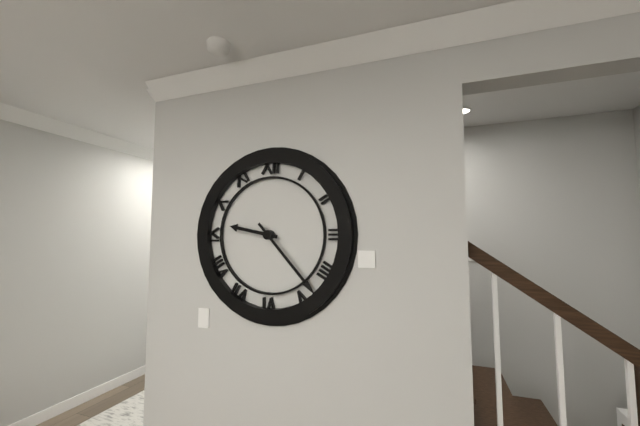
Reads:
9h23
